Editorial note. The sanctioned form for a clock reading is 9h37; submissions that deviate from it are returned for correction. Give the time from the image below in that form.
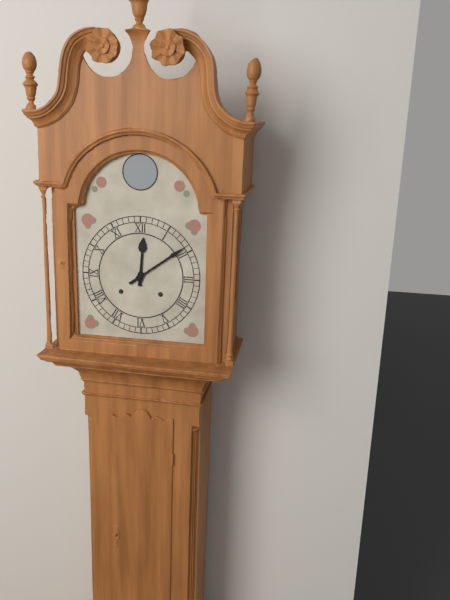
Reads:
12h09
